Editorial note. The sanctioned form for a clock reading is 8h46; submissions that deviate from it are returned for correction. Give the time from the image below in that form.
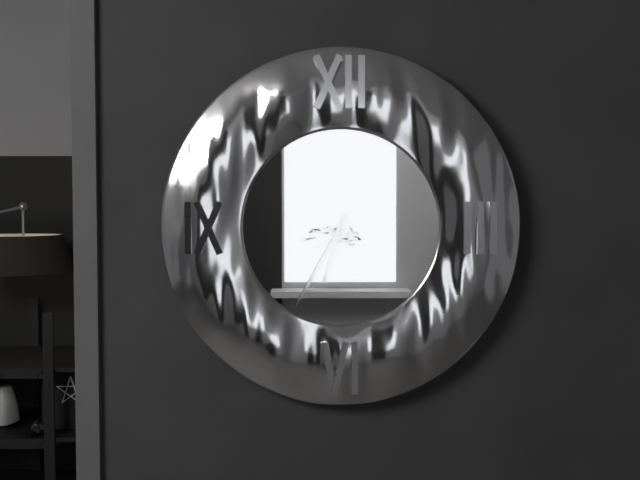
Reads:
6h35
